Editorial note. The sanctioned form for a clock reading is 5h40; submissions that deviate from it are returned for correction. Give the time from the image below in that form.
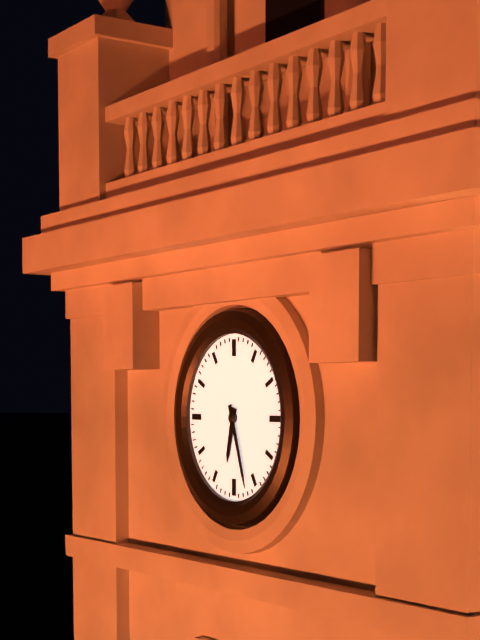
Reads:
6h27
